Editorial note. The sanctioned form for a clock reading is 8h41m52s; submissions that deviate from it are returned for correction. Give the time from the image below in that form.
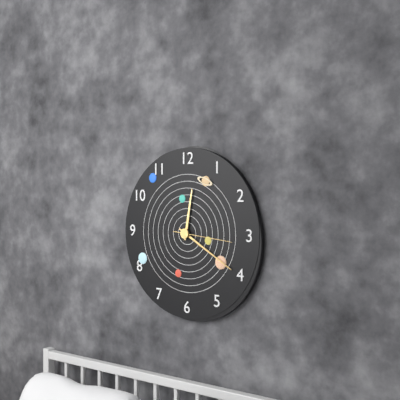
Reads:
12h20m16s
